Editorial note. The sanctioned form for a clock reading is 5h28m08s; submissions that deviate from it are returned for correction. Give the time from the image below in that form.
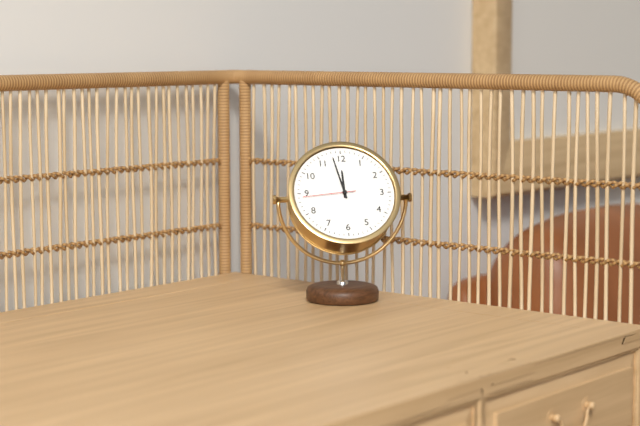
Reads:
11h58m44s
